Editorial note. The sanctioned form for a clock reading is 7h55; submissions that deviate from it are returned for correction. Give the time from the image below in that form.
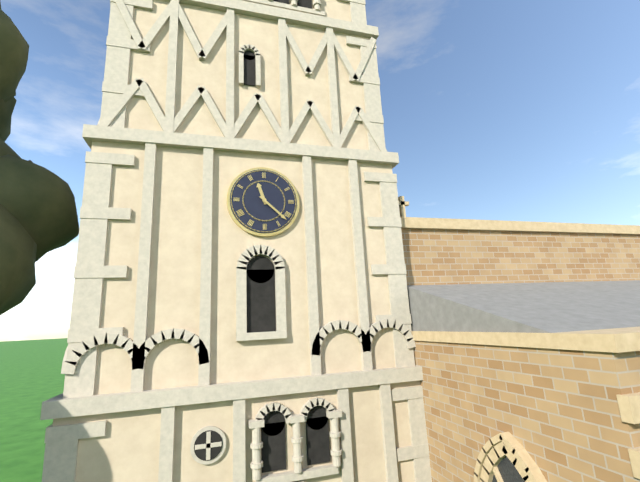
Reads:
11h22
